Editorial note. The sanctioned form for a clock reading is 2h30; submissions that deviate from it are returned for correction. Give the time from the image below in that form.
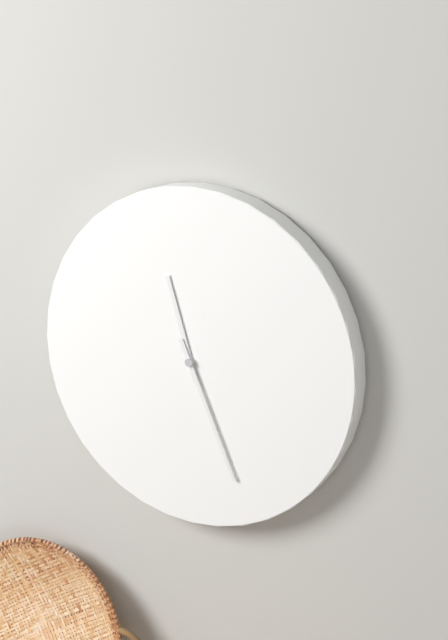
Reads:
11h26
